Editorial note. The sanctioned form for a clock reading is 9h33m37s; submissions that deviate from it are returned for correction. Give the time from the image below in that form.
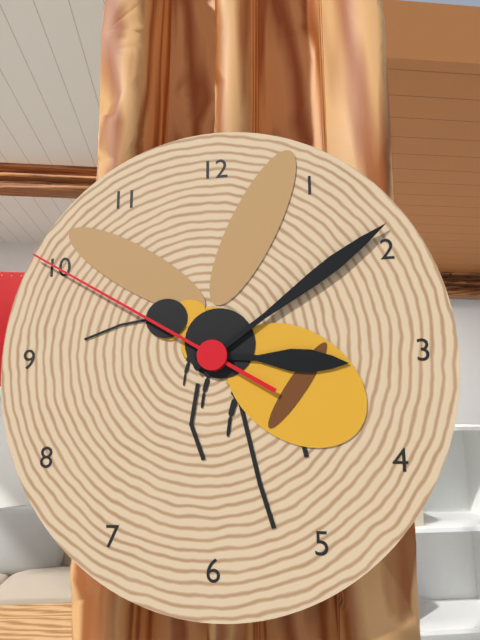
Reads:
3h09m50s
